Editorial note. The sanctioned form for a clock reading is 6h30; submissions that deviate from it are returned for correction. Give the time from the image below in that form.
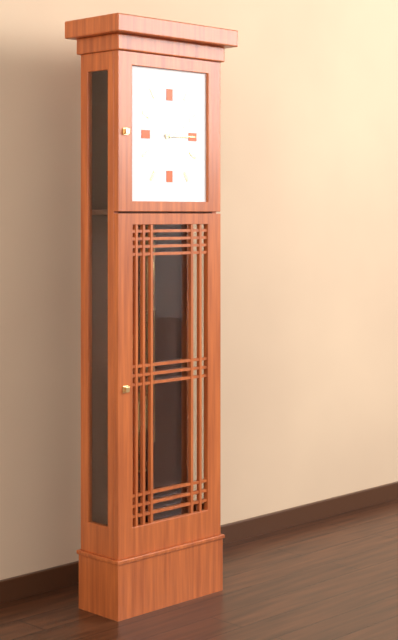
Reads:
2h15
